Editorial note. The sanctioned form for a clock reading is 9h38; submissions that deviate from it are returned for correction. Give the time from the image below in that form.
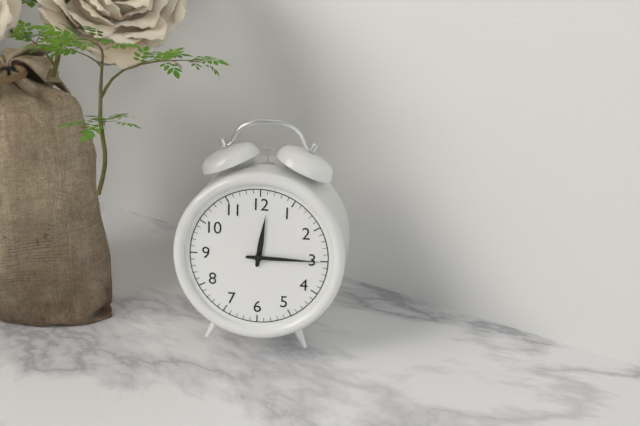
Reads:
12h15
